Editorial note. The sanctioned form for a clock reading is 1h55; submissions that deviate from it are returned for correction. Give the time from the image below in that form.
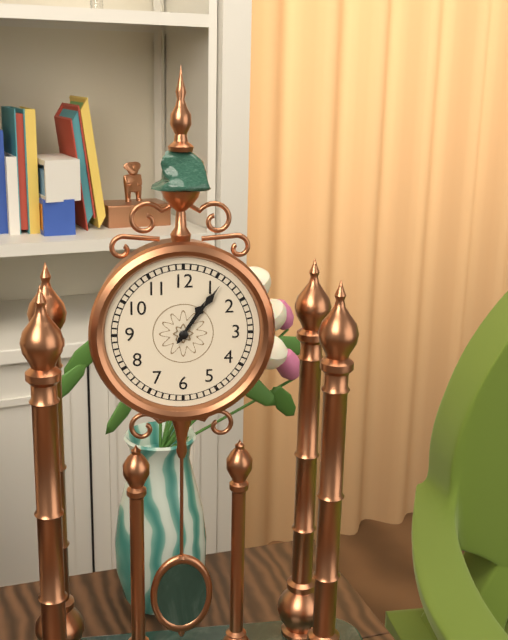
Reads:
1h06
